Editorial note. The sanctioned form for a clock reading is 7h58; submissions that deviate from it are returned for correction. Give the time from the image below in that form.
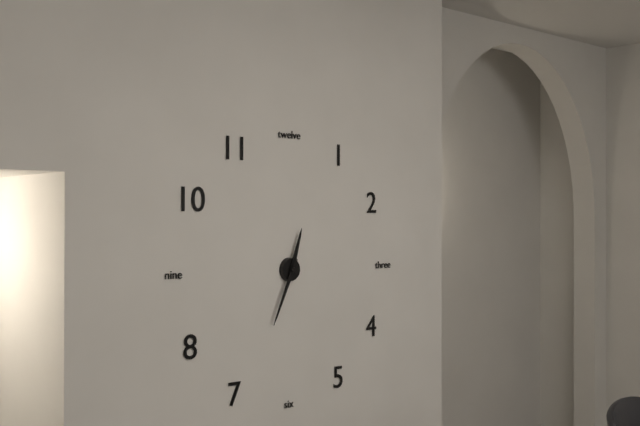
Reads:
12h34
